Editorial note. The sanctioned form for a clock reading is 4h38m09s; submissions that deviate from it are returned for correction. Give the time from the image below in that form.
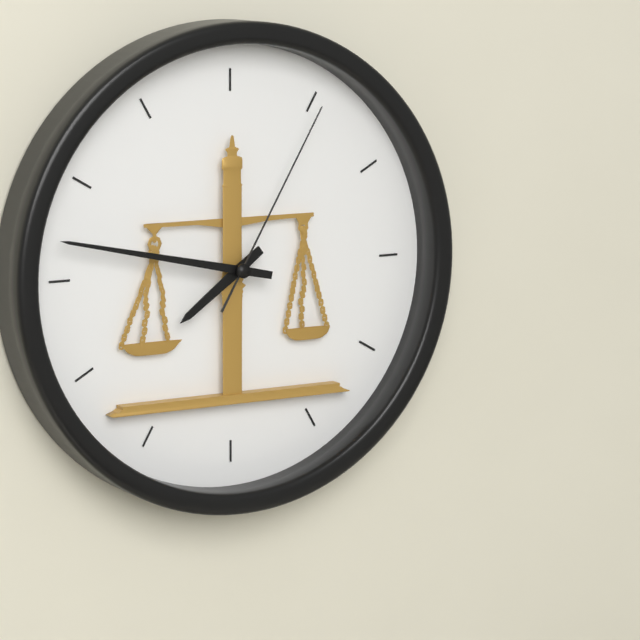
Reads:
7h47m05s
